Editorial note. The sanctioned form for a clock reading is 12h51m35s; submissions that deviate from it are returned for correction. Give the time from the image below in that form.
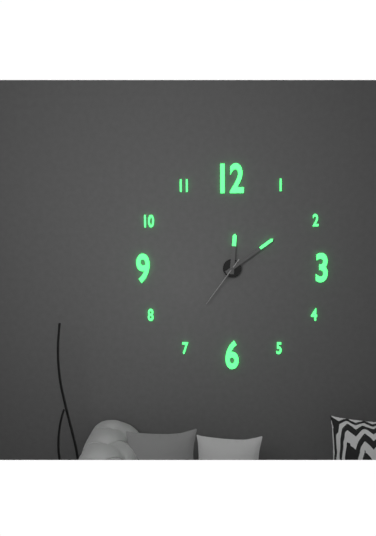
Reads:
12h09m36s
